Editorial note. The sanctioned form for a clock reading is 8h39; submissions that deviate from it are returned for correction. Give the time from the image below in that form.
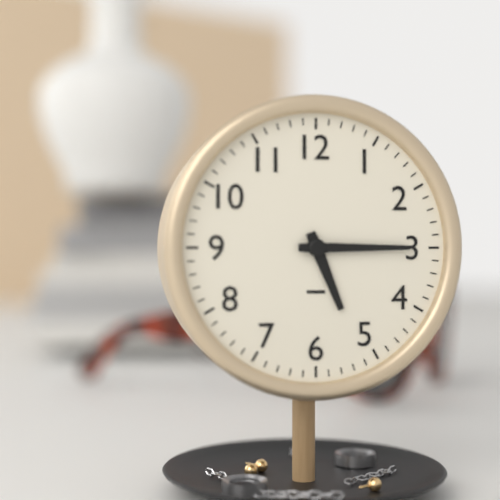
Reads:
5h15
